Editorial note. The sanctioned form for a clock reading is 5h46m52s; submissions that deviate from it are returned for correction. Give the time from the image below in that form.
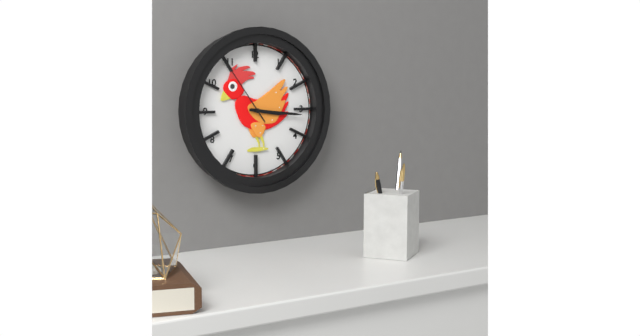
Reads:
3h16m54s
